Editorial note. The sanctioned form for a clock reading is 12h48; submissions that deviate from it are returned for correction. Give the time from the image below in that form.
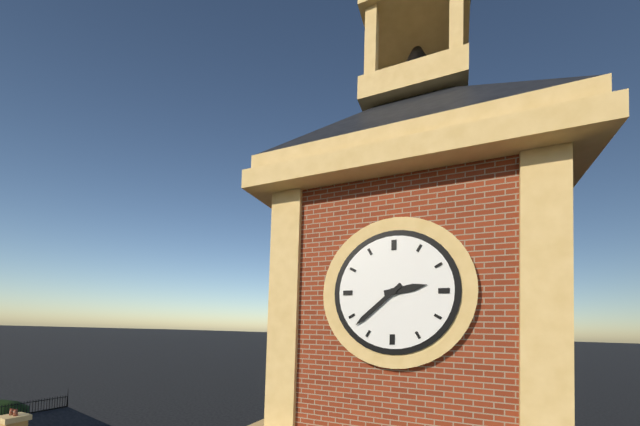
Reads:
2h38
